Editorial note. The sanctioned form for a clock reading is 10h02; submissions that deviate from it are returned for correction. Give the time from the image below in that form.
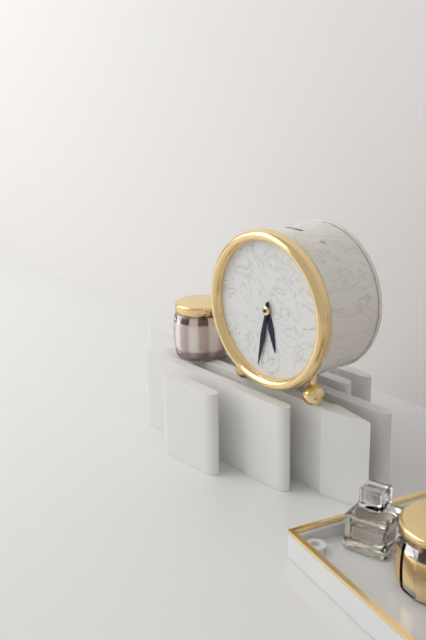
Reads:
5h32
